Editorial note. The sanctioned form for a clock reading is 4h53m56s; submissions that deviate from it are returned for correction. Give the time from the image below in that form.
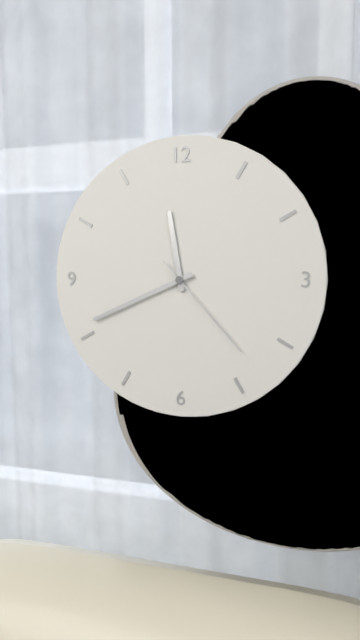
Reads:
11h41m23s
